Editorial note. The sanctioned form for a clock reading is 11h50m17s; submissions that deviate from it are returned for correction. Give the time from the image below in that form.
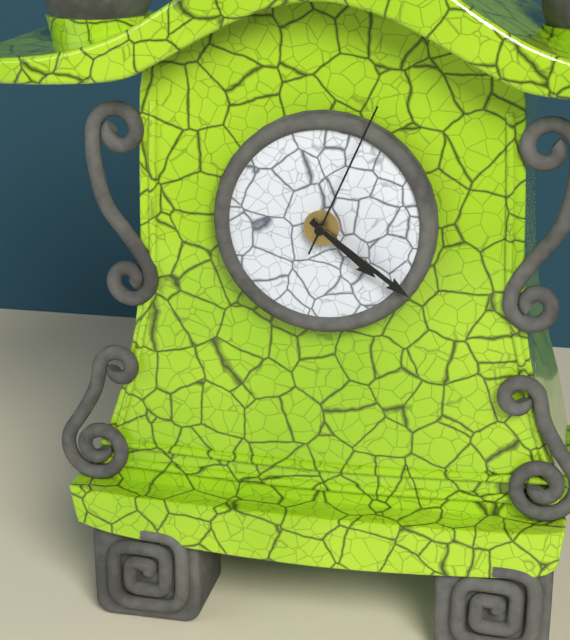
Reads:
4h21m04s
